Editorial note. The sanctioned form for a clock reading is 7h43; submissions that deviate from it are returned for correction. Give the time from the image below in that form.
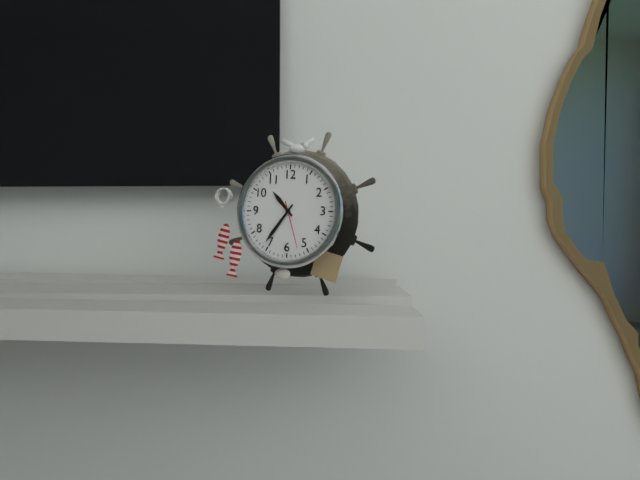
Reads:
10h36
